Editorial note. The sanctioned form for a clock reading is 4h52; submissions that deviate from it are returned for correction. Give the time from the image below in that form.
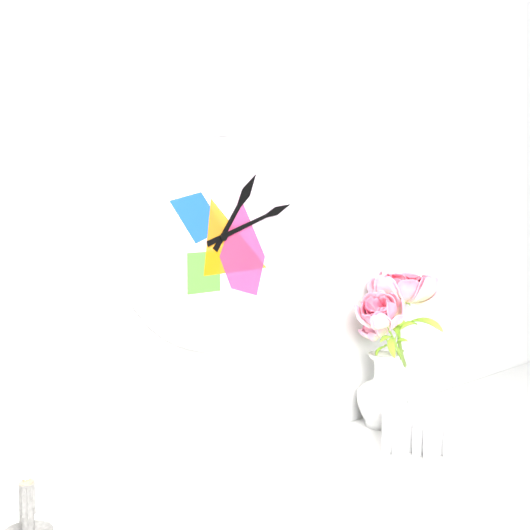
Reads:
1h12
